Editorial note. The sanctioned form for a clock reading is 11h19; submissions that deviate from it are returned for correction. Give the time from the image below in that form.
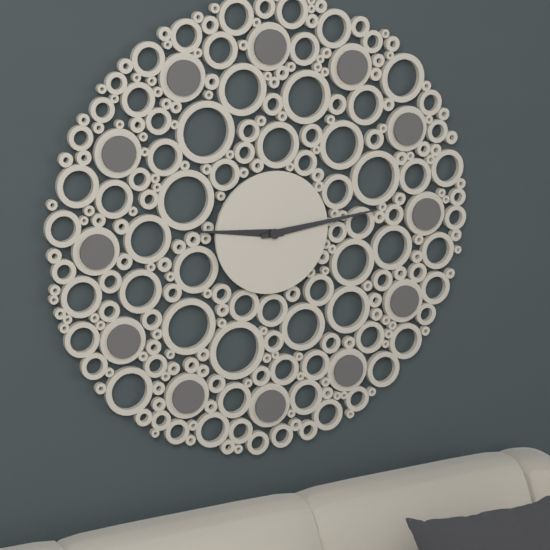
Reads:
9h14
